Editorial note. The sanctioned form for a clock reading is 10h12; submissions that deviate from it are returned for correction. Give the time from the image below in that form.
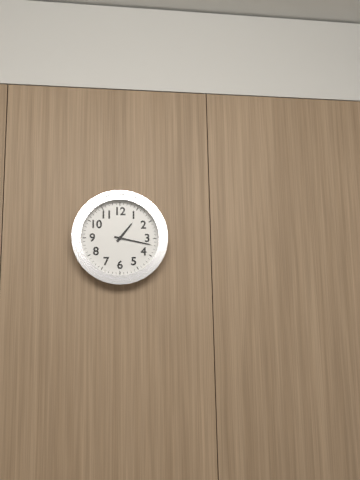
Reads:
1h17
